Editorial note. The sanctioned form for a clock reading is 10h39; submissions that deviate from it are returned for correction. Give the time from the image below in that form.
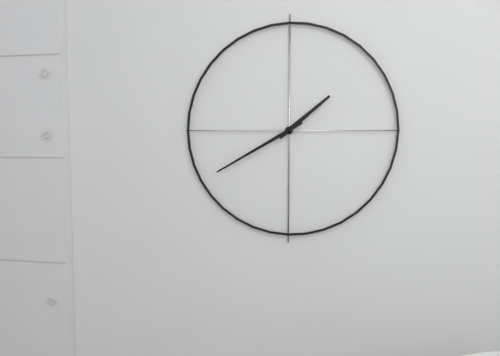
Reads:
1h40
